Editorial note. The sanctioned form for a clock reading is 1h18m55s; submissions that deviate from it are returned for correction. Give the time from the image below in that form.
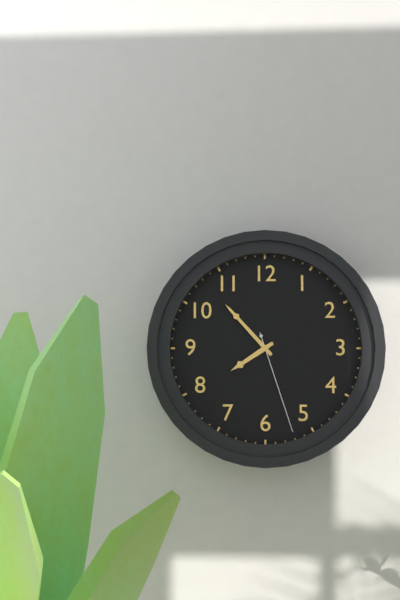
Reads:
7h53m27s
